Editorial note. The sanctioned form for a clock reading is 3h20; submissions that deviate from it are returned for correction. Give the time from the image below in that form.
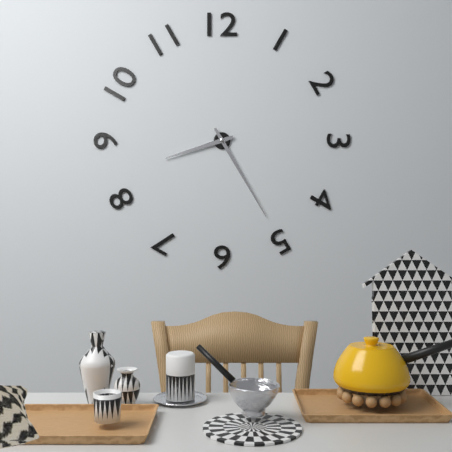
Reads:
8h25
